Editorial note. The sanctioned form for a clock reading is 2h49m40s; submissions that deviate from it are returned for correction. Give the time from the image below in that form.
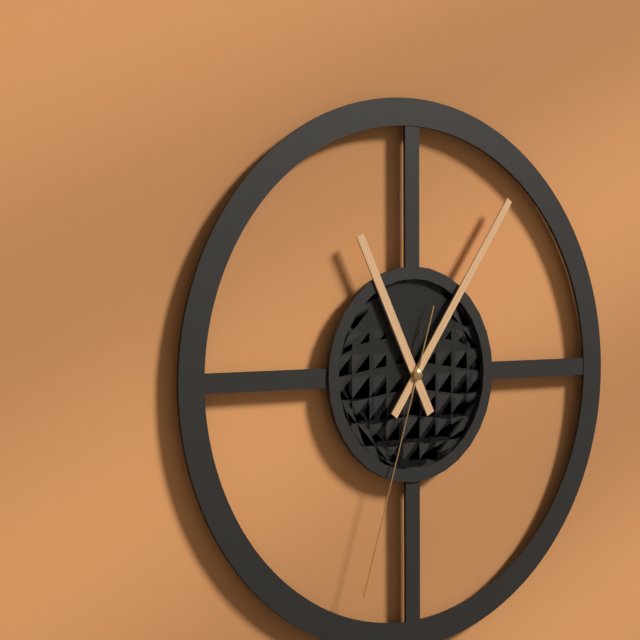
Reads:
11h06m33s
